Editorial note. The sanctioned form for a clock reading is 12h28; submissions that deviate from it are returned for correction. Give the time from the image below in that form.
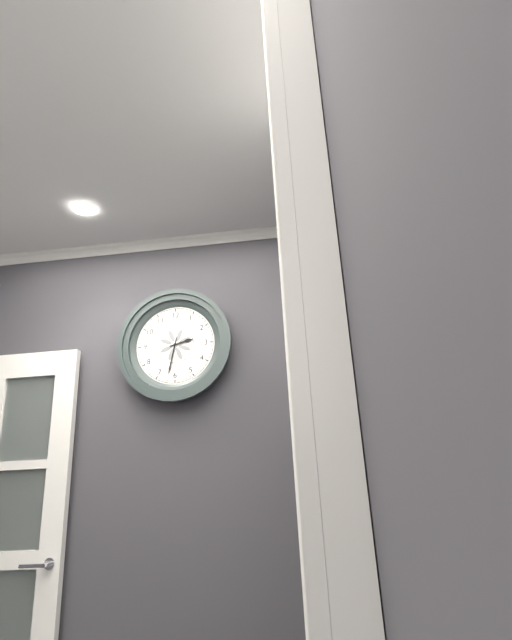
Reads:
2h32
